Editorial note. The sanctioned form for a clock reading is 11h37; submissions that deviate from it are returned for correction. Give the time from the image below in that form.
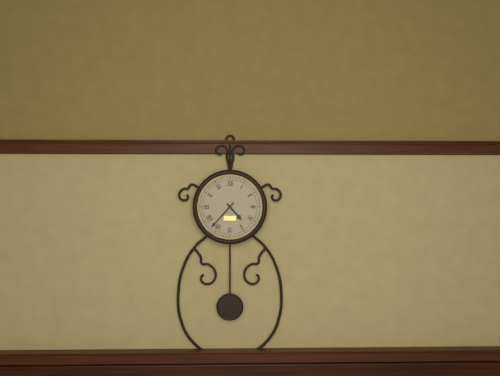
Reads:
4h37
